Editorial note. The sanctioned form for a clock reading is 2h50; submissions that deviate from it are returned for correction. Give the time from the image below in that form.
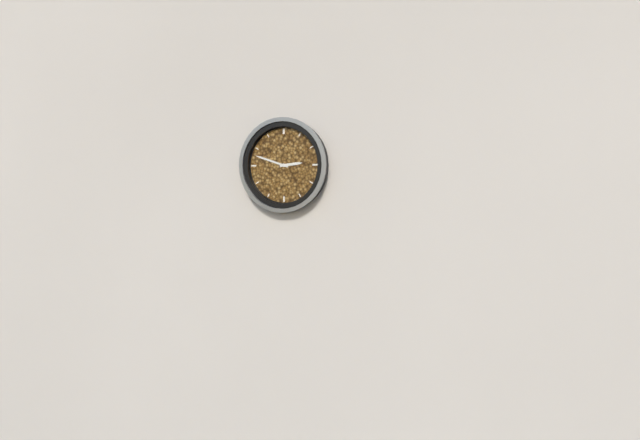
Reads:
2h48
